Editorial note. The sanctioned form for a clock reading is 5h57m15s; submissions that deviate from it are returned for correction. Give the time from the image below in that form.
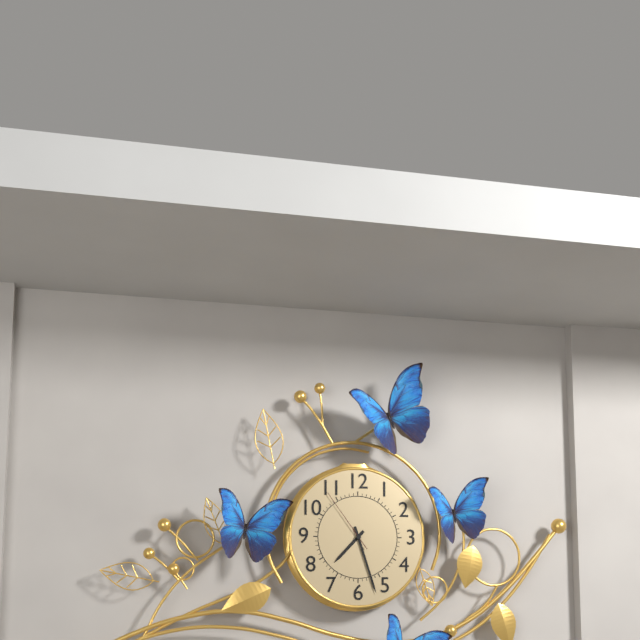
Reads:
7h27m54s
